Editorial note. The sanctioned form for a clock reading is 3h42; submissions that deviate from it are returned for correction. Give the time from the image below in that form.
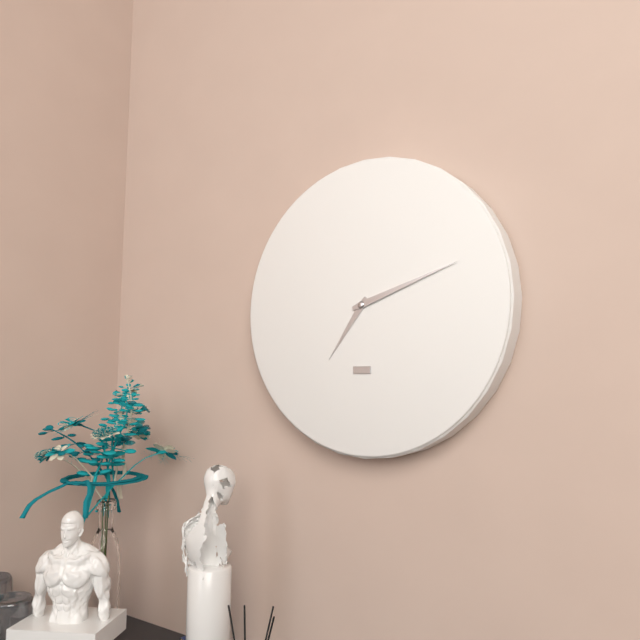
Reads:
7h12
